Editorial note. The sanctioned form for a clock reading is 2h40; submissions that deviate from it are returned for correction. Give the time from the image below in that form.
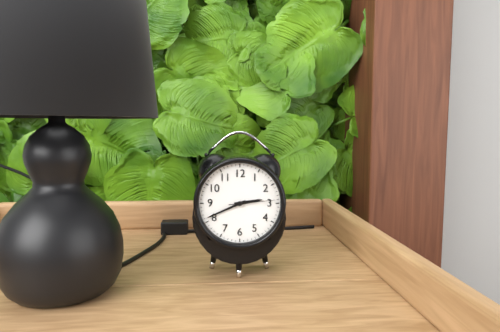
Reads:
2h41
